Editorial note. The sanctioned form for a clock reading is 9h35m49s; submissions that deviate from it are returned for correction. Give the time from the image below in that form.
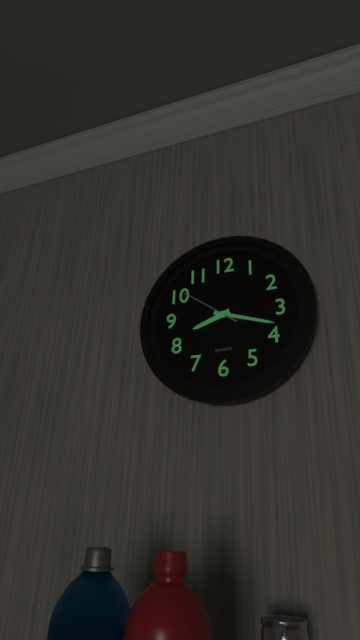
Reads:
8h18m51s
